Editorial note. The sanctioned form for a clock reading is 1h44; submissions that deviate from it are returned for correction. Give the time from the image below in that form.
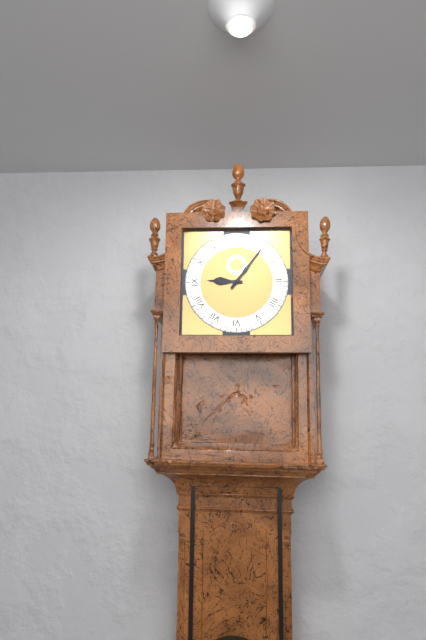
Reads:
9h06
